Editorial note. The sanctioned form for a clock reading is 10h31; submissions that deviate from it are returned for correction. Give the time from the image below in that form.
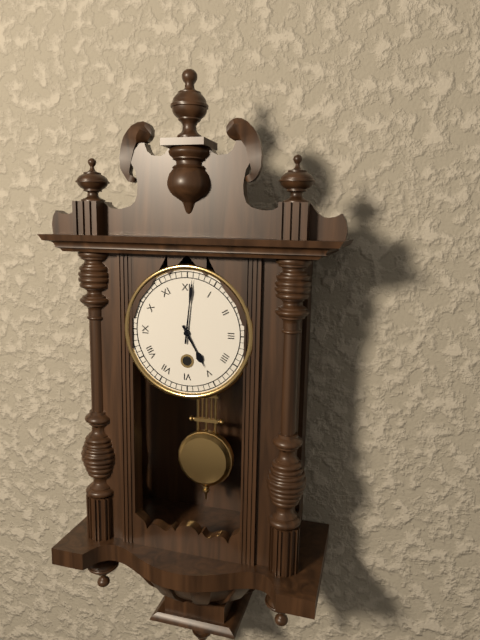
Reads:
5h01
